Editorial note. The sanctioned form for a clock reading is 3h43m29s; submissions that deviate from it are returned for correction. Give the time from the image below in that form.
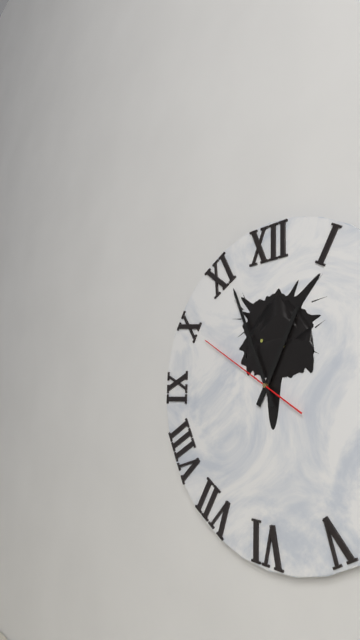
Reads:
12h56m50s
